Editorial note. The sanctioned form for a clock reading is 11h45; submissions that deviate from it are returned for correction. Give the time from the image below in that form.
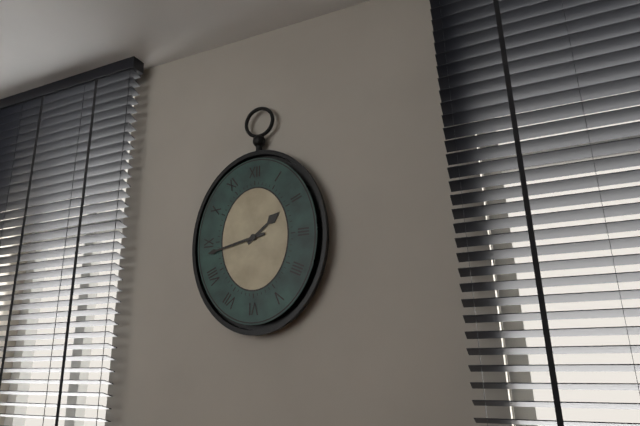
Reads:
1h43
